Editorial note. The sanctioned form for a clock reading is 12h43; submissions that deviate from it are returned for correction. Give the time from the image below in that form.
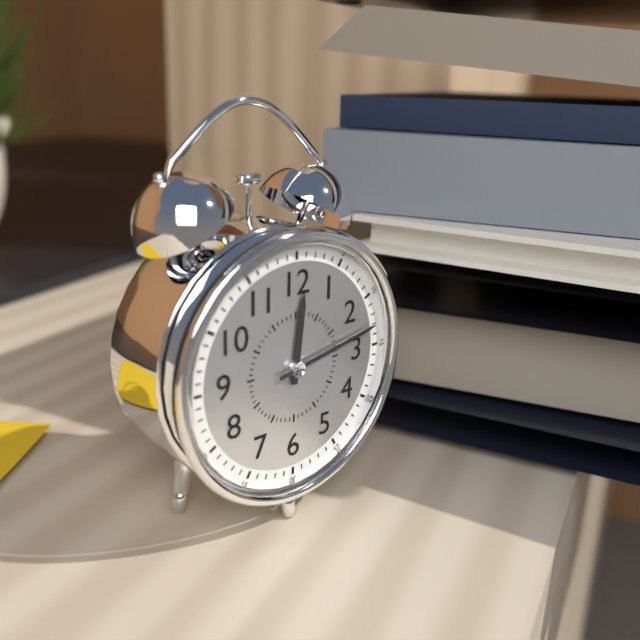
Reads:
12h13
